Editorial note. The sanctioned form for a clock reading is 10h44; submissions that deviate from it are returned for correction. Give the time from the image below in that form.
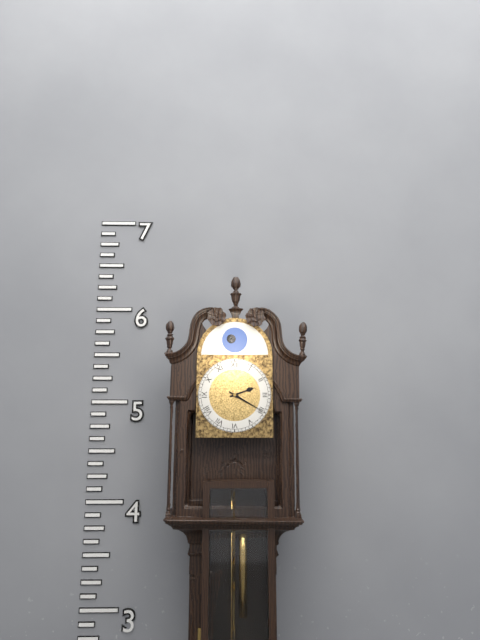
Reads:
2h20
